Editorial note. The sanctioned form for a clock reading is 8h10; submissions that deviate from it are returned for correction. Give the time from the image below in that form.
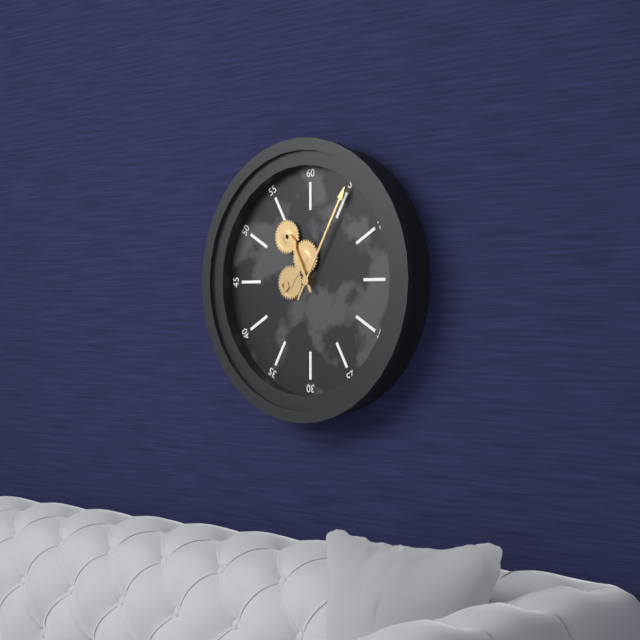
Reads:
11h05
